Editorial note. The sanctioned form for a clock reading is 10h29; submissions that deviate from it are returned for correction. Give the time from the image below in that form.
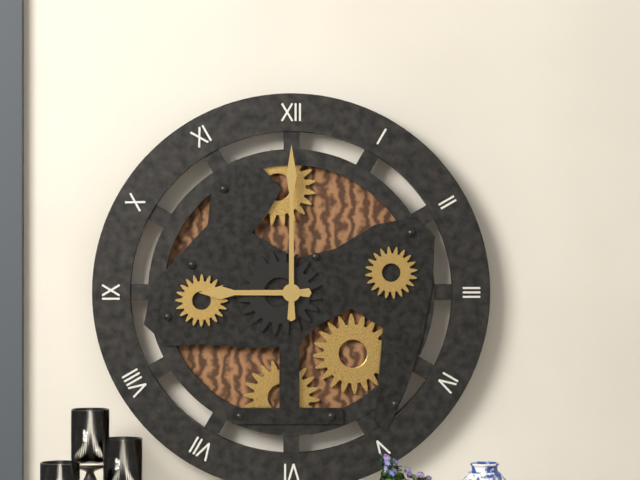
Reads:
9h00
